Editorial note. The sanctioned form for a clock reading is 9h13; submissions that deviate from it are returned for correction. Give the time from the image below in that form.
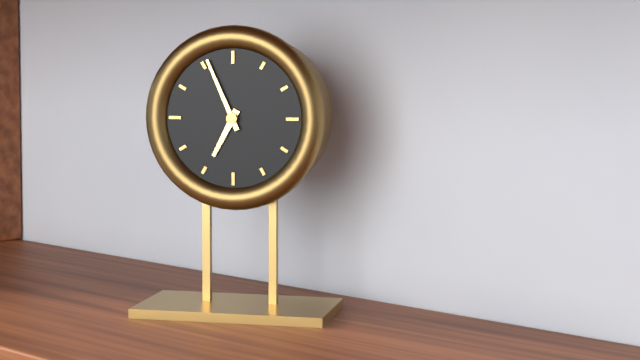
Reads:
6h56
